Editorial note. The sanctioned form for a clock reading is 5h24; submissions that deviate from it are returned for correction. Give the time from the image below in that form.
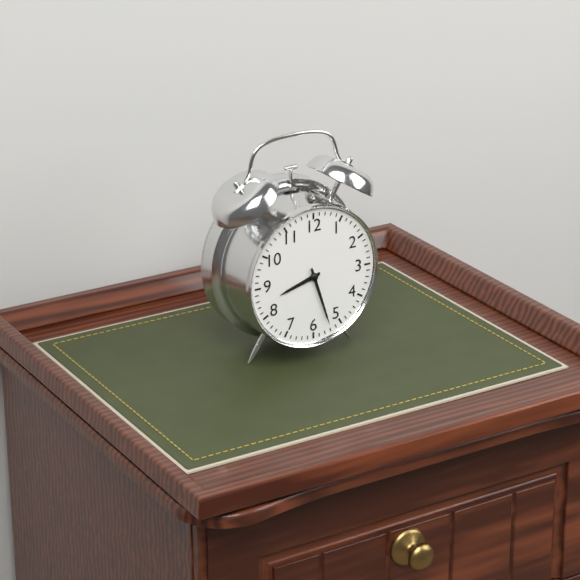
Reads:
8h27
